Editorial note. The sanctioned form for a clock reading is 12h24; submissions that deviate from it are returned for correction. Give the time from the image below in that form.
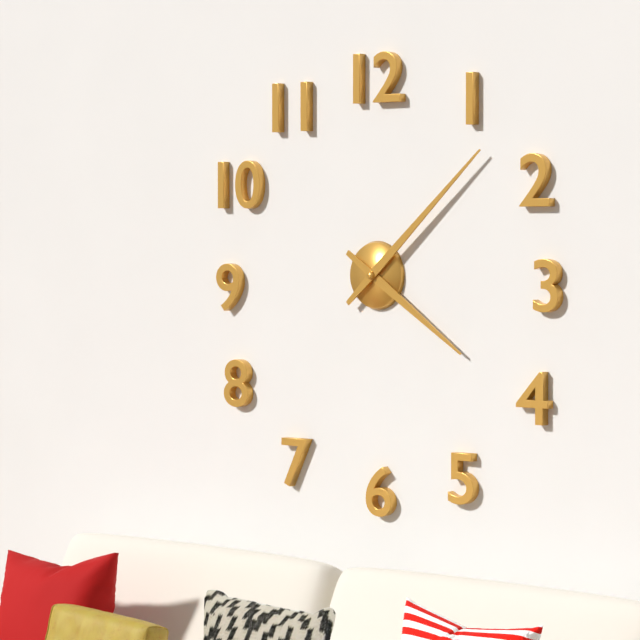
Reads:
4h08
